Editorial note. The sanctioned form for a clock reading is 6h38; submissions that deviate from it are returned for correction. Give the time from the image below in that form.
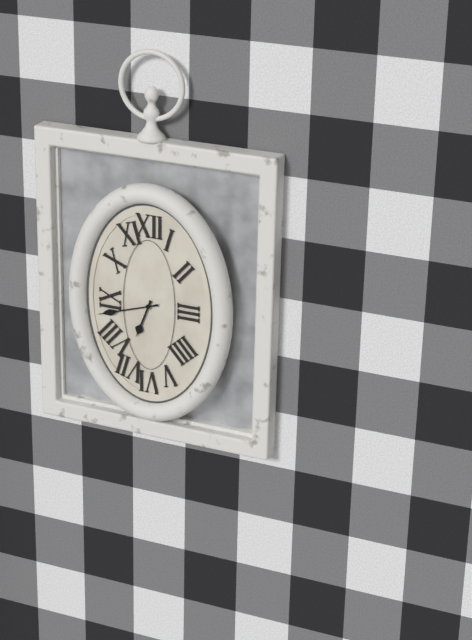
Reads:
6h42
